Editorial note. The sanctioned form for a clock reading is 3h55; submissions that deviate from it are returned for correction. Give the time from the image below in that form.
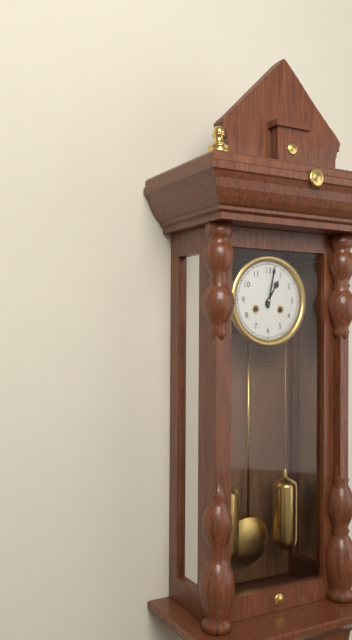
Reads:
1h02
